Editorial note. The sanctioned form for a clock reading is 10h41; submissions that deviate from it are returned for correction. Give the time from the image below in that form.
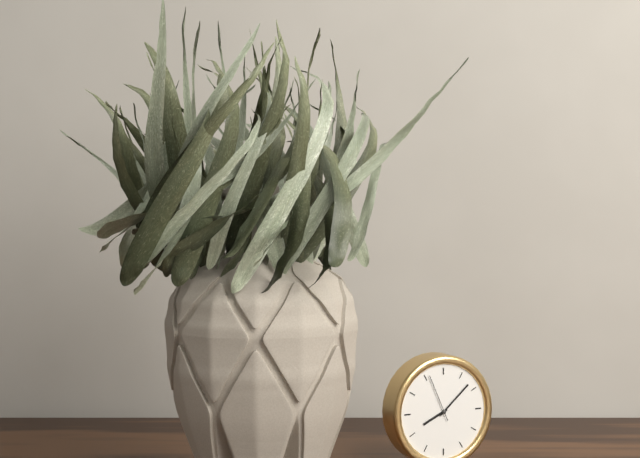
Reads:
8h08
